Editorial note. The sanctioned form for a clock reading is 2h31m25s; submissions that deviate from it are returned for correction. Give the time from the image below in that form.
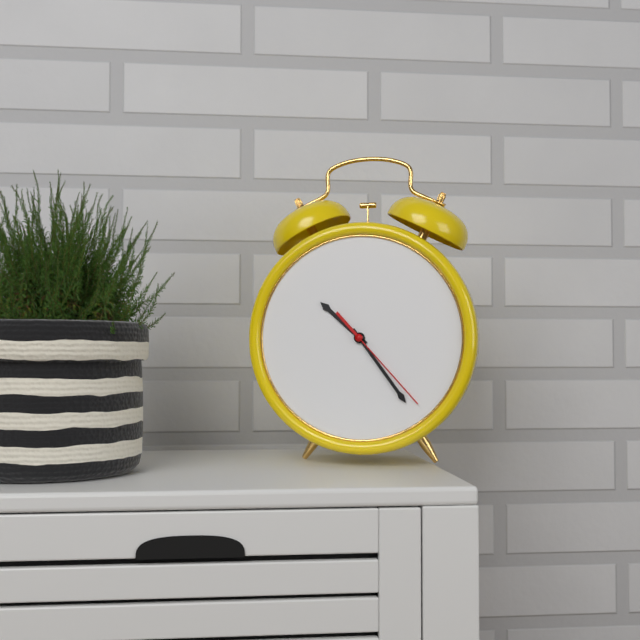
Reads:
10h24m23s
